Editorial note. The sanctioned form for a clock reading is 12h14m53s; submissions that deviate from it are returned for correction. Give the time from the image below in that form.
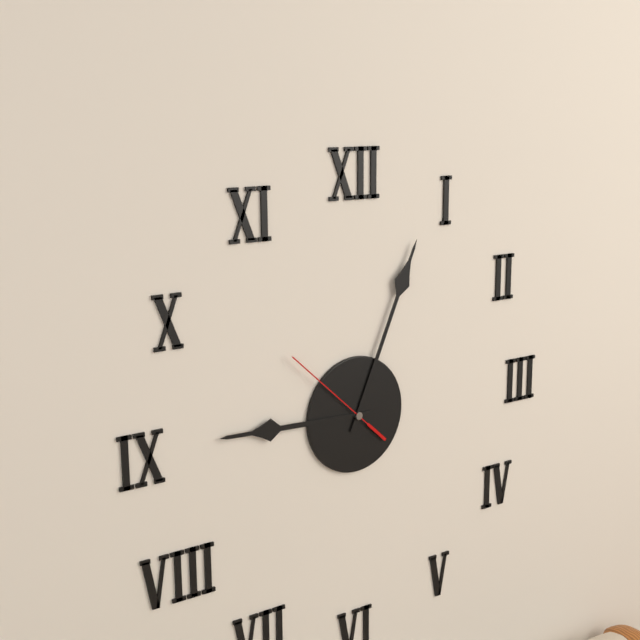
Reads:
9h04m52s
